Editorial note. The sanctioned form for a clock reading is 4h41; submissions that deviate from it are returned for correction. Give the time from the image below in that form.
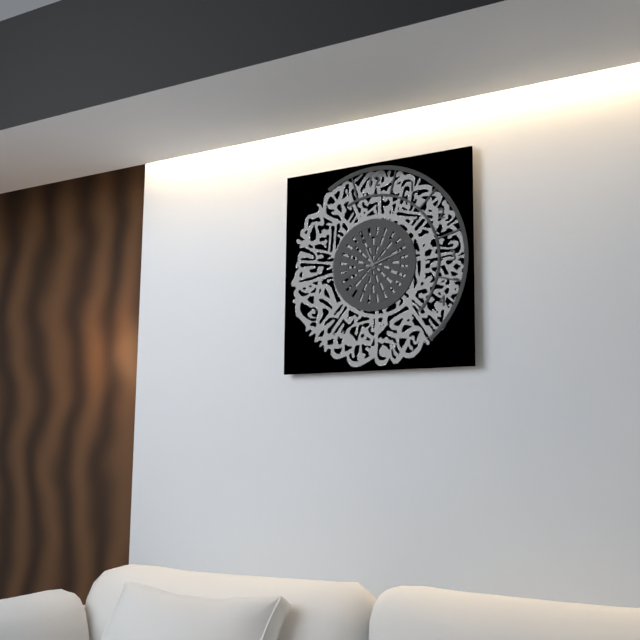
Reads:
11h12
